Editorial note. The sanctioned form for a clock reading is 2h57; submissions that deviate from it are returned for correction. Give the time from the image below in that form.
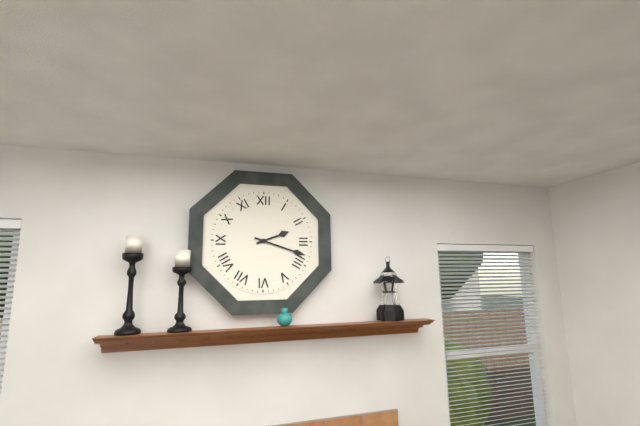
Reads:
2h18
